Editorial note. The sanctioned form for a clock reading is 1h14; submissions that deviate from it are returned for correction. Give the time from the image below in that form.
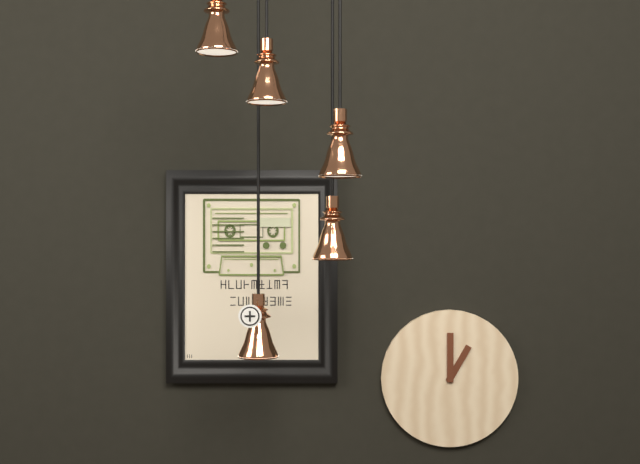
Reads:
1h00
